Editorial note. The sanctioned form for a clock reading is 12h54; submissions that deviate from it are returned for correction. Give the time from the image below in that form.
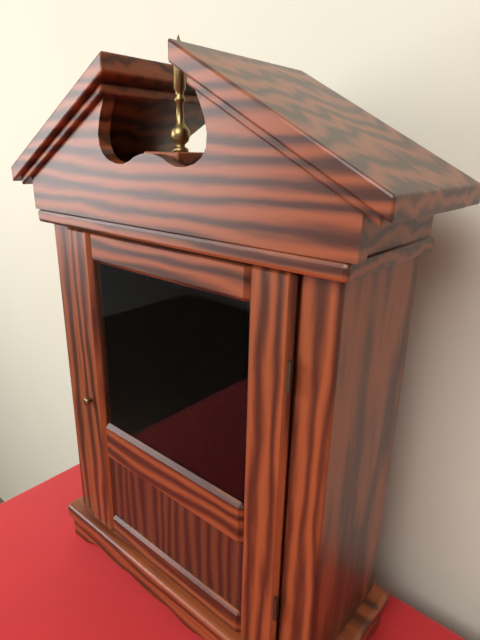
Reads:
11h32
